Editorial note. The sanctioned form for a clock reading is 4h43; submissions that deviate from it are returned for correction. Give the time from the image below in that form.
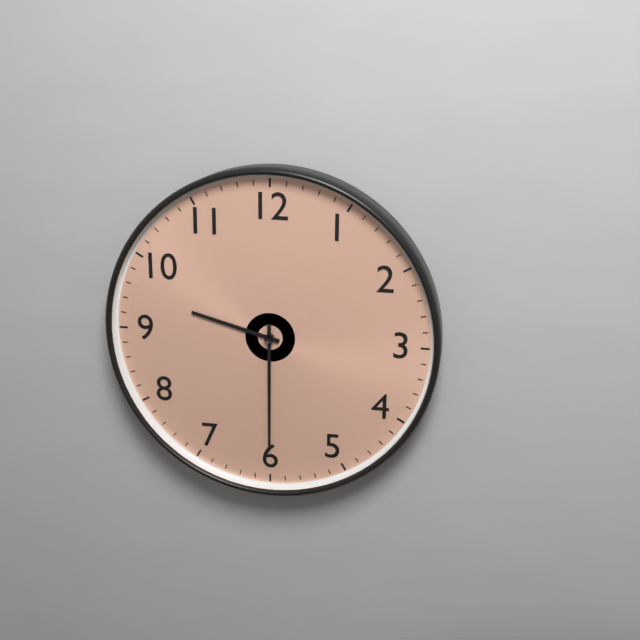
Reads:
9h30
